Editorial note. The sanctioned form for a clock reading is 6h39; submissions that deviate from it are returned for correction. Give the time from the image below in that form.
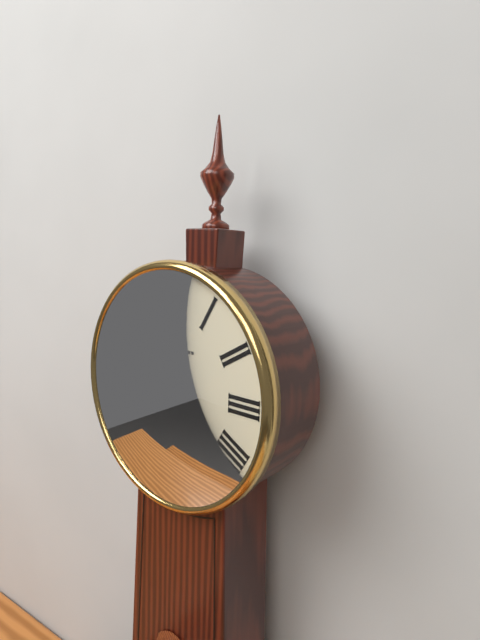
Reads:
11h59
